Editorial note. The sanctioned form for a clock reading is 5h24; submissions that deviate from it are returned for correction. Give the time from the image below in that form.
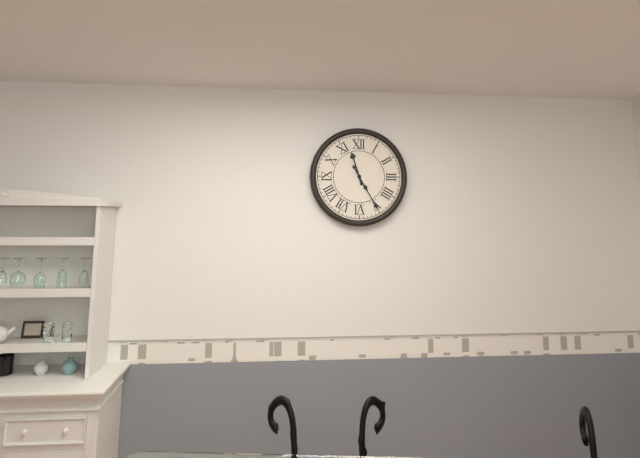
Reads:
11h25
